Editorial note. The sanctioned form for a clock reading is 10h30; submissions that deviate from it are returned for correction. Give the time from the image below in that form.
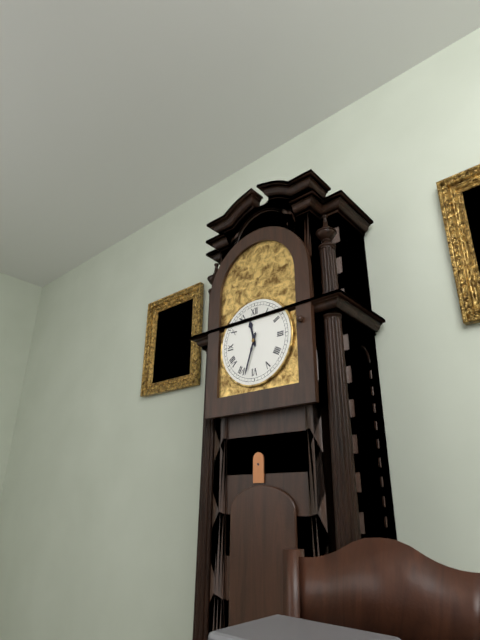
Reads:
11h33
